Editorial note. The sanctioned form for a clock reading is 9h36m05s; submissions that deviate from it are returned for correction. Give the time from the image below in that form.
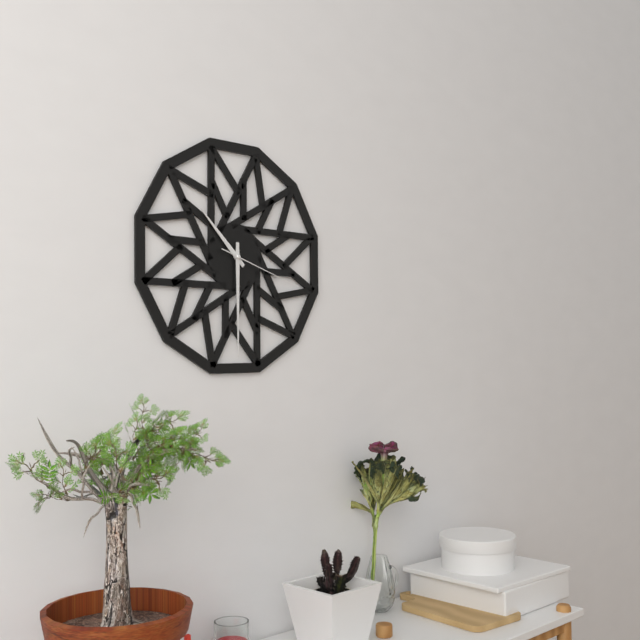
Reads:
10h30m18s
